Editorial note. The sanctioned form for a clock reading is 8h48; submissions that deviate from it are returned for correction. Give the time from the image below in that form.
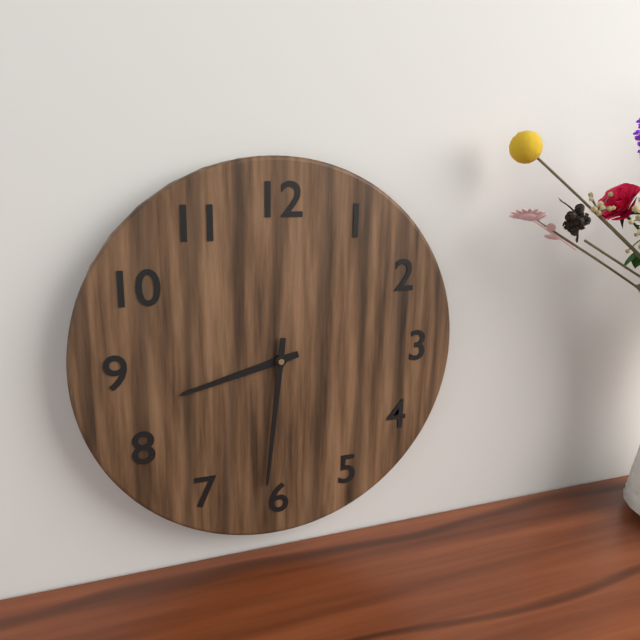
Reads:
8h31
